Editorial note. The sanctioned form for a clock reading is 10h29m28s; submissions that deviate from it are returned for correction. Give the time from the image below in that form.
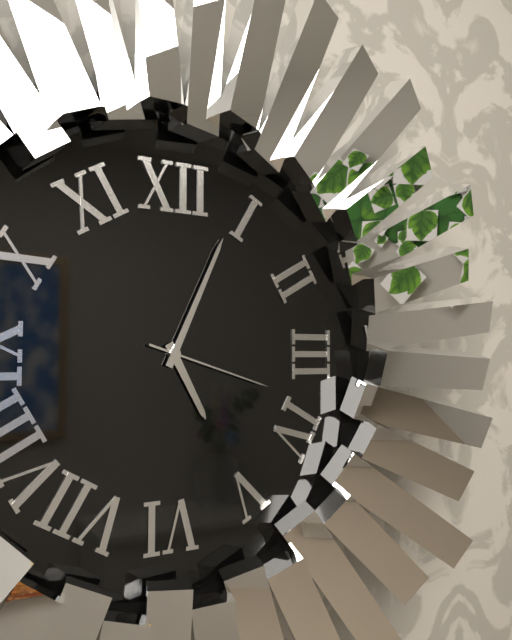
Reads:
5h04m18s
